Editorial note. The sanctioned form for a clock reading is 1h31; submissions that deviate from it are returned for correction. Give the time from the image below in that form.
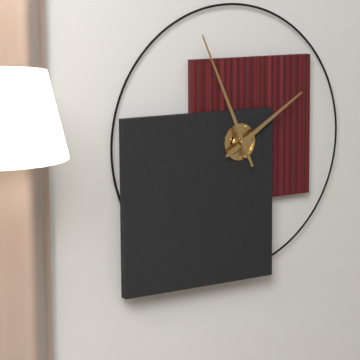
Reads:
1h56
